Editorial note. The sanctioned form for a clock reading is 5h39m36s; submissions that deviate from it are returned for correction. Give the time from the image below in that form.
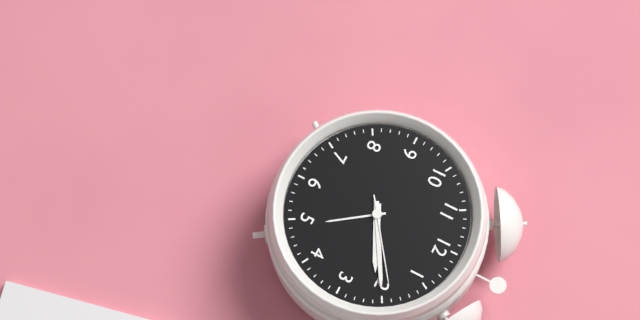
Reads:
2h10m09s
